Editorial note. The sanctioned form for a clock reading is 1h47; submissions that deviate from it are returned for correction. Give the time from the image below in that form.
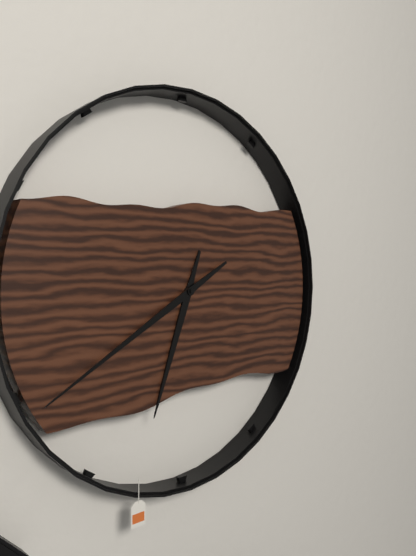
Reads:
6h40
